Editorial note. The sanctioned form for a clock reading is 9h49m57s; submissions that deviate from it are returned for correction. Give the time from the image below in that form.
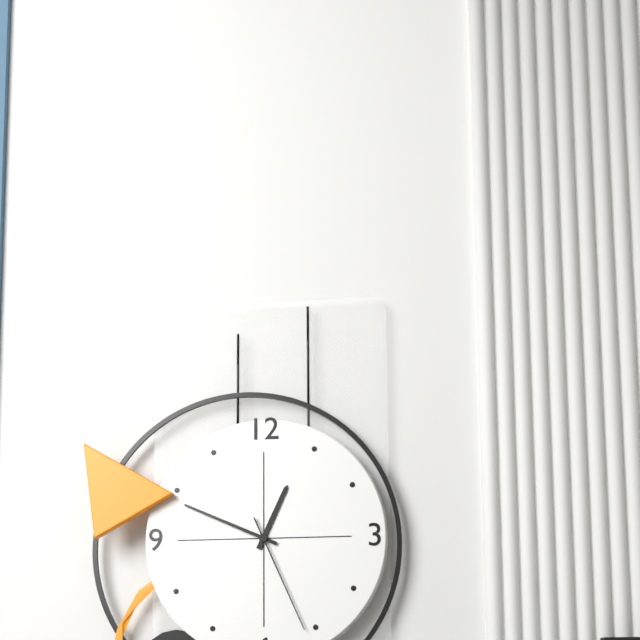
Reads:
12h49m26s
